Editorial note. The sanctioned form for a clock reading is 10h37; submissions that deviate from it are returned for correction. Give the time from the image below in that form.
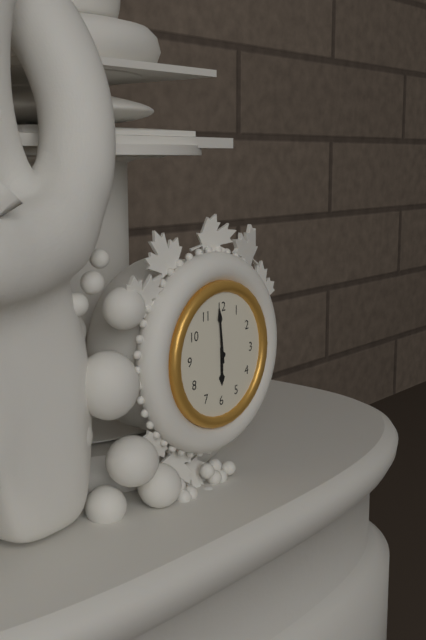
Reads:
5h59
